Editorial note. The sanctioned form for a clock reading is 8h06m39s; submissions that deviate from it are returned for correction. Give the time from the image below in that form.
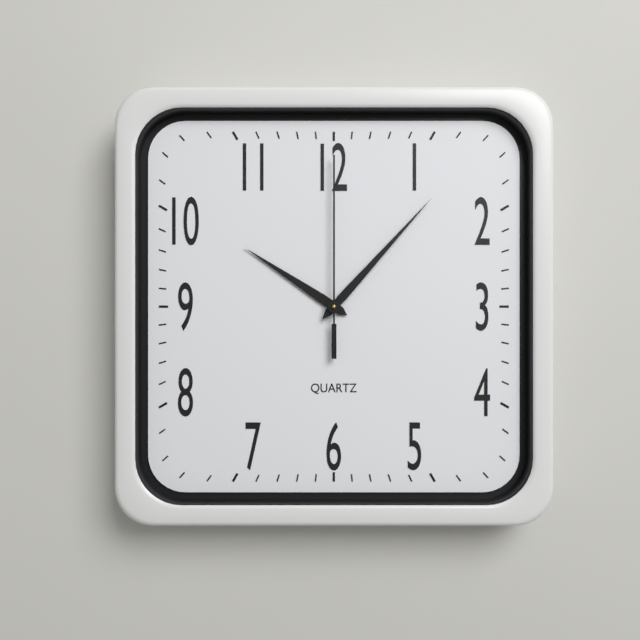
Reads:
10h07m00s
